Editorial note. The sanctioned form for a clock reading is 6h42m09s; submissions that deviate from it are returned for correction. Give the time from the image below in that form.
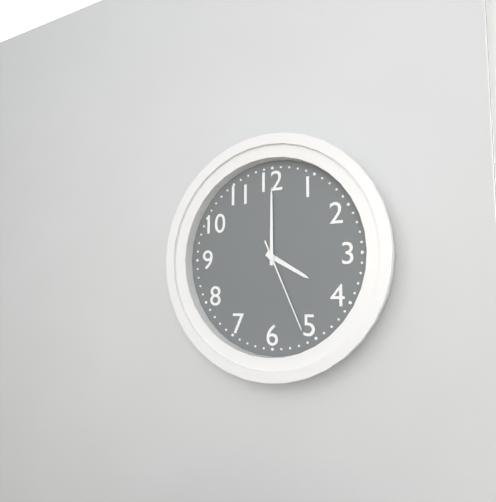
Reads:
4h00m26s
